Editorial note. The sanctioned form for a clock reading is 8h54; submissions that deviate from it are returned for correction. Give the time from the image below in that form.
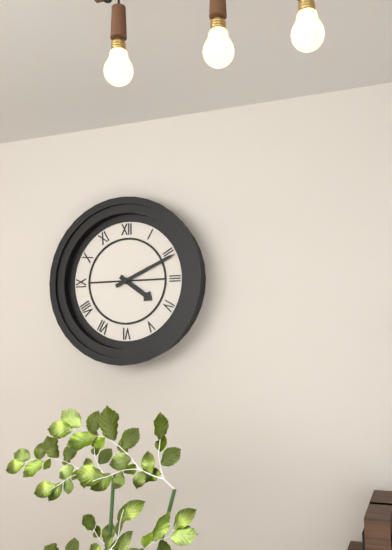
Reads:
4h11
